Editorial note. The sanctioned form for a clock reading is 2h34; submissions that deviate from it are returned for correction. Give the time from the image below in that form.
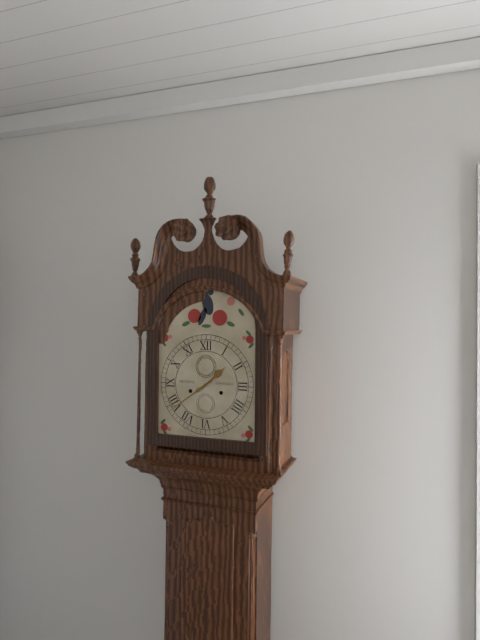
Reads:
1h39
